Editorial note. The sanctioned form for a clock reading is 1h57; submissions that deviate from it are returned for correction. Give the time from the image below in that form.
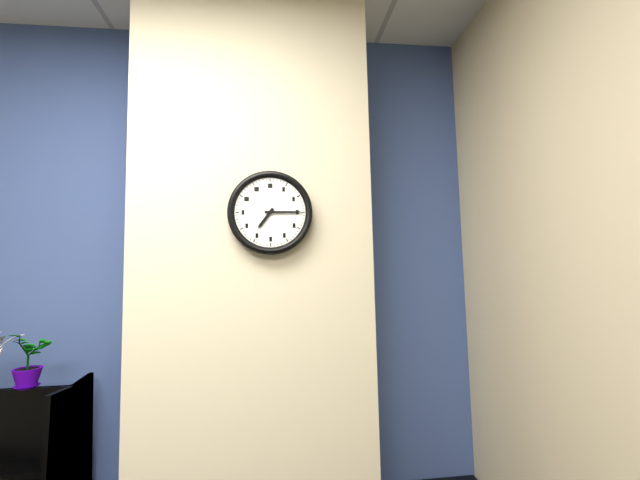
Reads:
7h15
